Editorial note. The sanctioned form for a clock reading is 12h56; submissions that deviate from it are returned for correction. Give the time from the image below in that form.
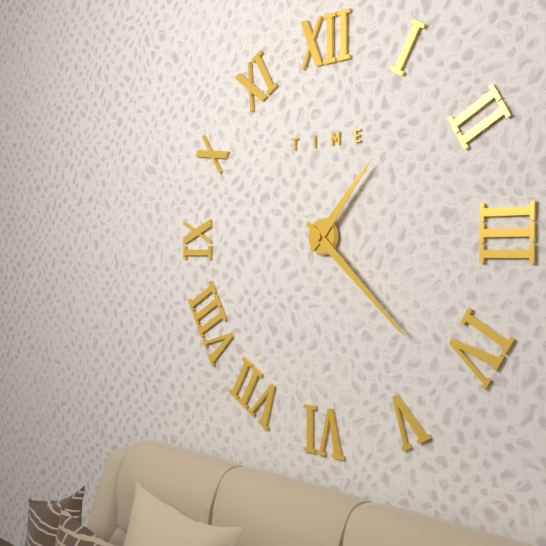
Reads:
1h22
